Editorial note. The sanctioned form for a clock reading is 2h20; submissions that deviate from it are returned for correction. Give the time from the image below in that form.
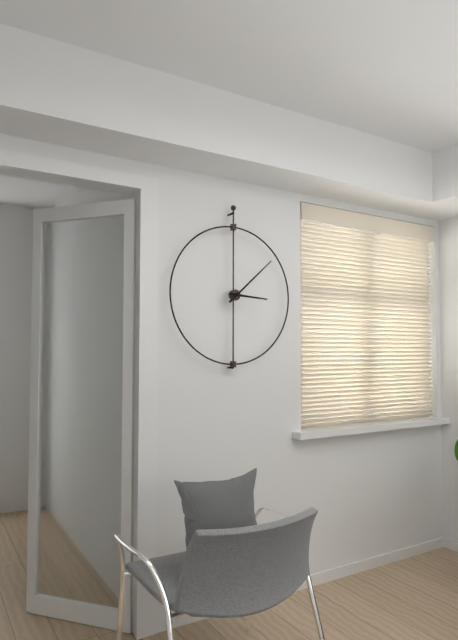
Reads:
3h08
